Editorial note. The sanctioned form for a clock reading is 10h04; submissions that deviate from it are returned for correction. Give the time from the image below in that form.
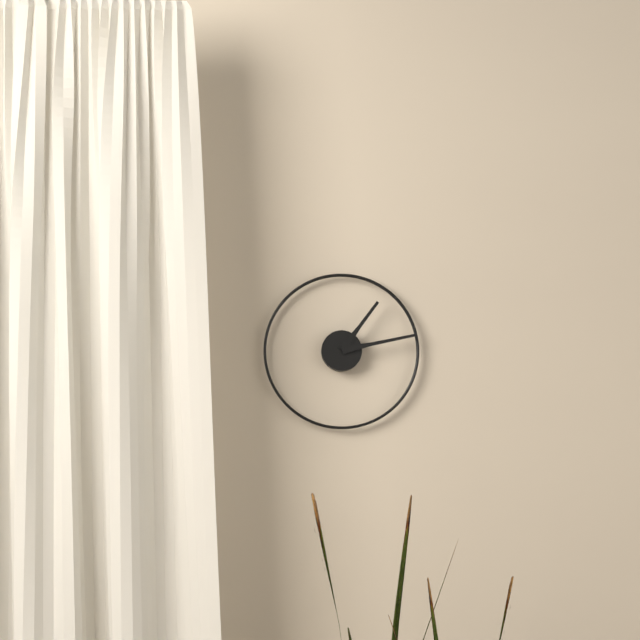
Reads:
1h13
